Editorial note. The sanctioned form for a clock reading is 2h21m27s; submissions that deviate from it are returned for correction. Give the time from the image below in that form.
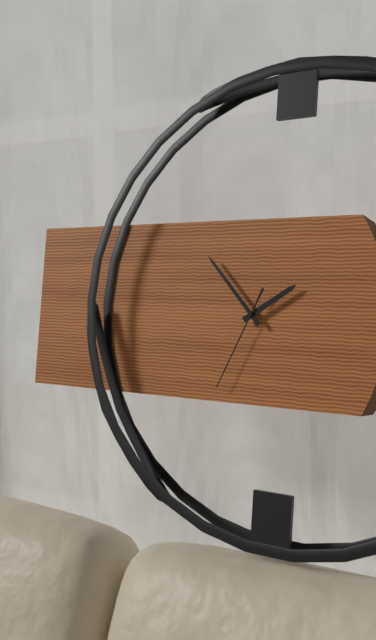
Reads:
1h53m34s
